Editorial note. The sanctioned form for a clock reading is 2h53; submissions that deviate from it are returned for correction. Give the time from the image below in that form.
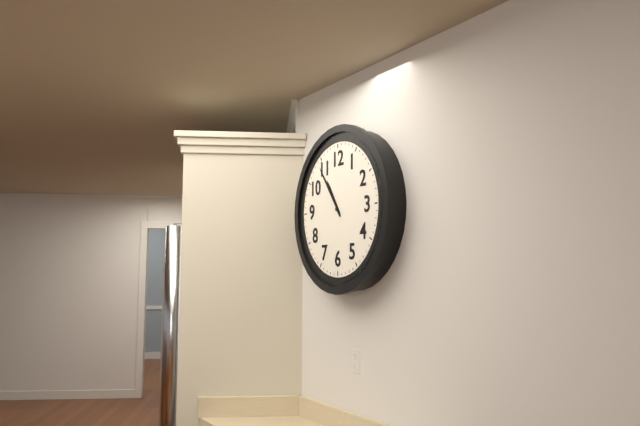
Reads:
10h54
